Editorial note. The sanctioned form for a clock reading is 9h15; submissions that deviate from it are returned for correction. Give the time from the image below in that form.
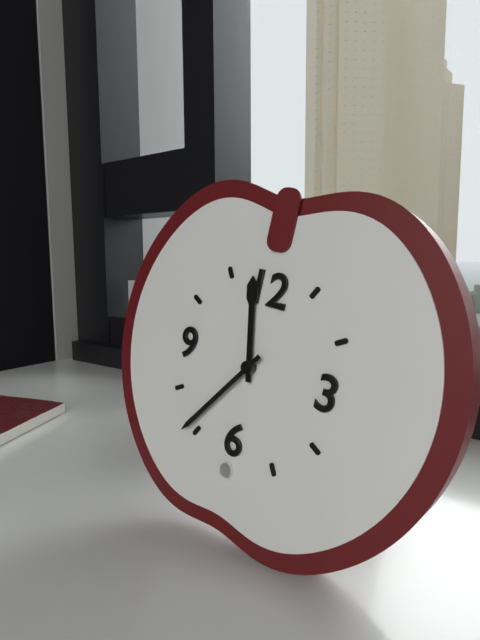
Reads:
11h36
